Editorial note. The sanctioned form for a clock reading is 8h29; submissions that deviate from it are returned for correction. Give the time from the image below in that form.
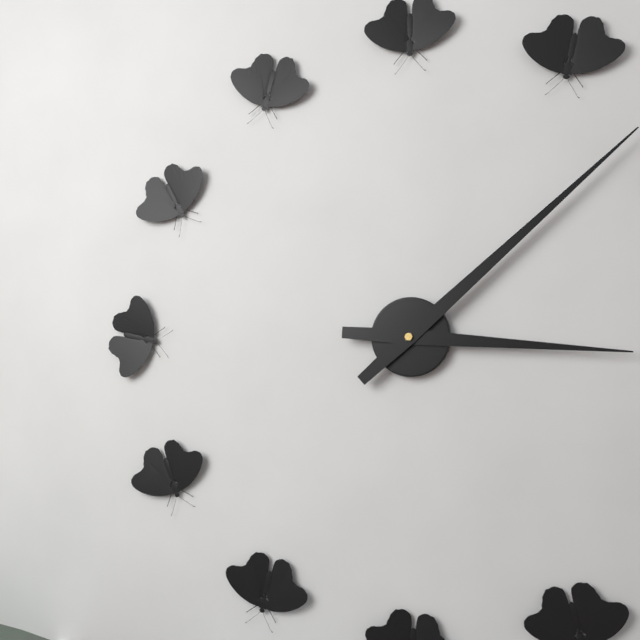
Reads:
3h08
